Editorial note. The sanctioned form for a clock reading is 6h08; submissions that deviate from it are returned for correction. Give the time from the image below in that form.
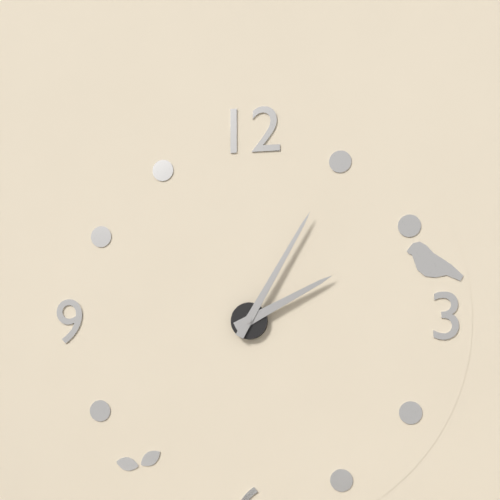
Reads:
2h05
